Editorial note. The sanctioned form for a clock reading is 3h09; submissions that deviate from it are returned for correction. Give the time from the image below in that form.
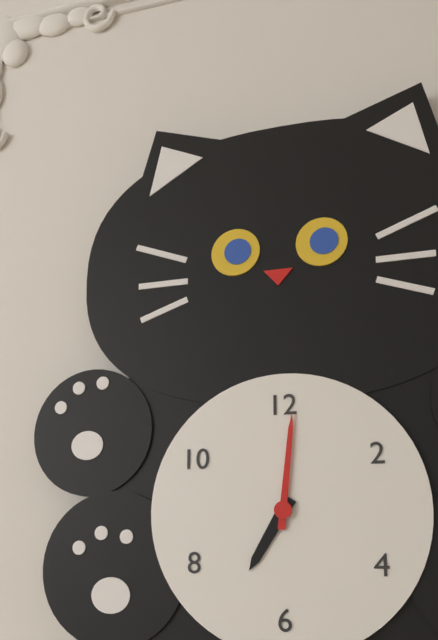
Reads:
7h01
